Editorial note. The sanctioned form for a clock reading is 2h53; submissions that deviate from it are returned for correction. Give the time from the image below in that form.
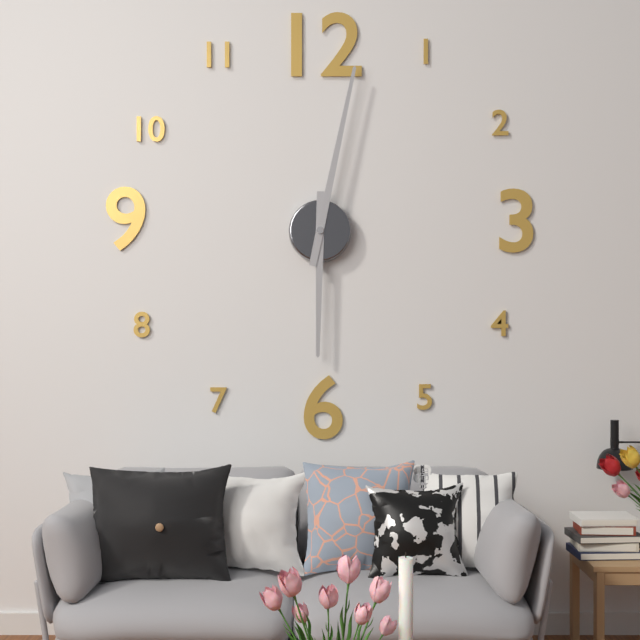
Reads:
6h02
